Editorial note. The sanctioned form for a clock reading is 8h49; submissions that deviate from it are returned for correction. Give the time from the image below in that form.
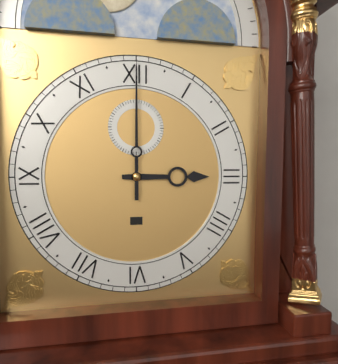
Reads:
3h00
